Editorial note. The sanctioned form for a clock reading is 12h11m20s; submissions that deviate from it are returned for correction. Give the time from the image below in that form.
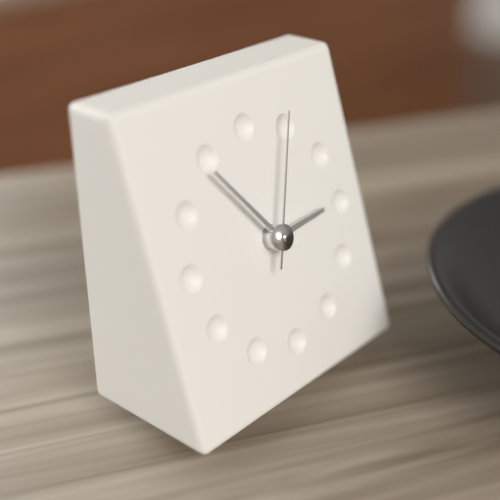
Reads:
2h54m04s
